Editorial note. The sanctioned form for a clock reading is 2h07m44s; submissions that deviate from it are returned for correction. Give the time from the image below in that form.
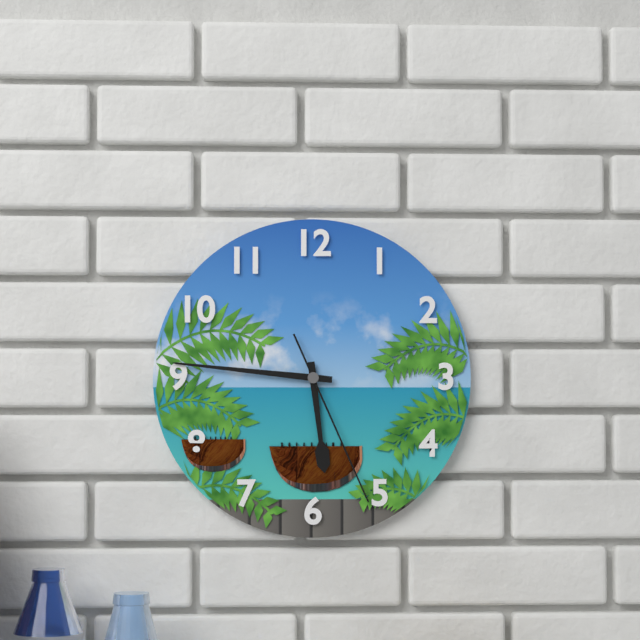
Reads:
5h46m26s
